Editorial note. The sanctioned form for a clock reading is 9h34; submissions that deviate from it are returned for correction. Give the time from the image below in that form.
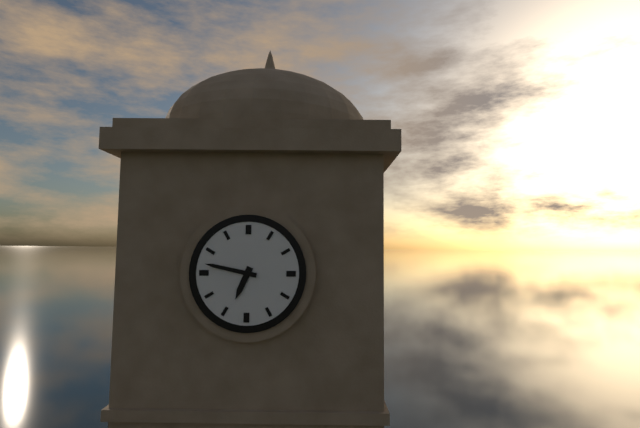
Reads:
6h47
